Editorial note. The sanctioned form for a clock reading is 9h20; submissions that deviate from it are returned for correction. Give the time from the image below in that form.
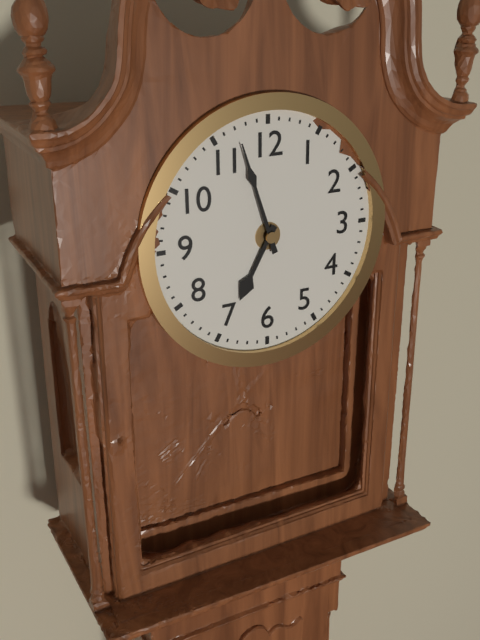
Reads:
6h57
